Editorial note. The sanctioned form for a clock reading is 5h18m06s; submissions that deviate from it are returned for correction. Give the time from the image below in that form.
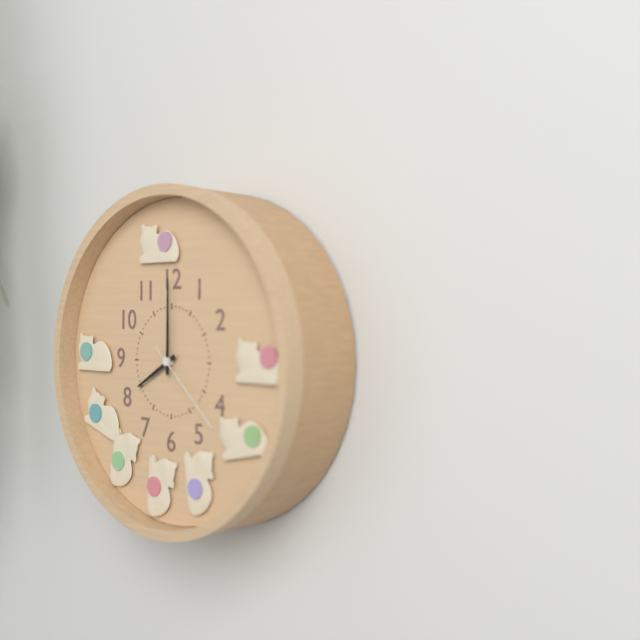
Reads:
8h00m22s
